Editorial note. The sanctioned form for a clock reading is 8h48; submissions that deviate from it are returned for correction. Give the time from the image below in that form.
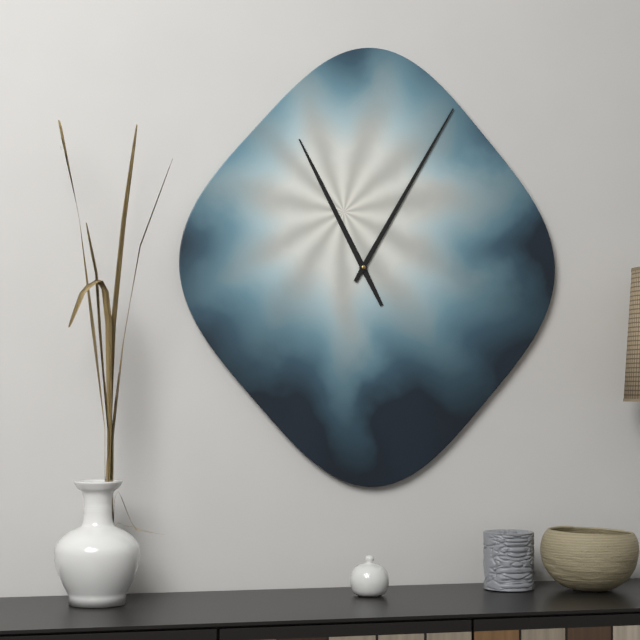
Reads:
11h05
